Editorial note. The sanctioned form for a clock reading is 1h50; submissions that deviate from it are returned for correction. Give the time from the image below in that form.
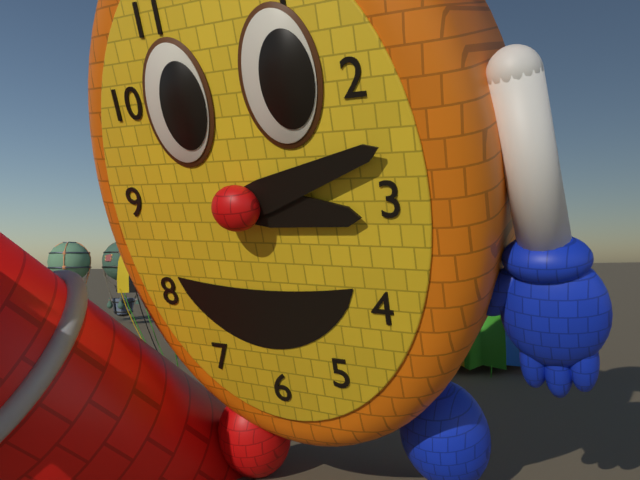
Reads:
3h12
